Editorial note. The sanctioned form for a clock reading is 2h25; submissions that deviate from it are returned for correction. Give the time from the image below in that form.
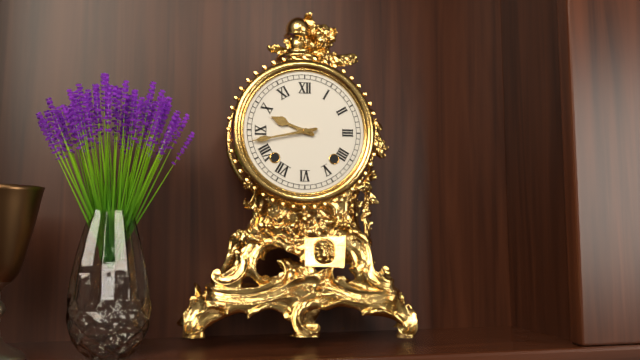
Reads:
9h43
